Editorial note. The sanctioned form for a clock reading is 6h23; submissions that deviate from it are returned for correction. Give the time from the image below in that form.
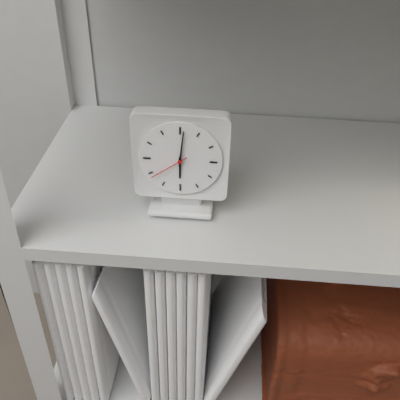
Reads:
6h01
